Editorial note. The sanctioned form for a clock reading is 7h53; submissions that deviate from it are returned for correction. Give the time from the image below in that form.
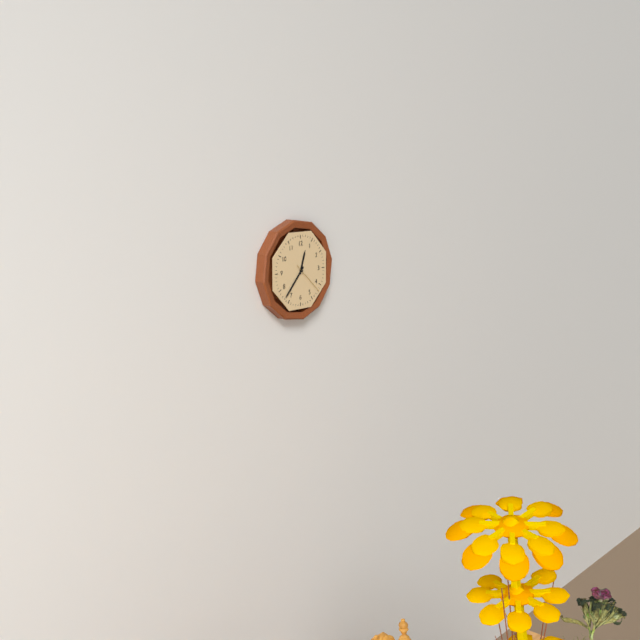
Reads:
12h37
